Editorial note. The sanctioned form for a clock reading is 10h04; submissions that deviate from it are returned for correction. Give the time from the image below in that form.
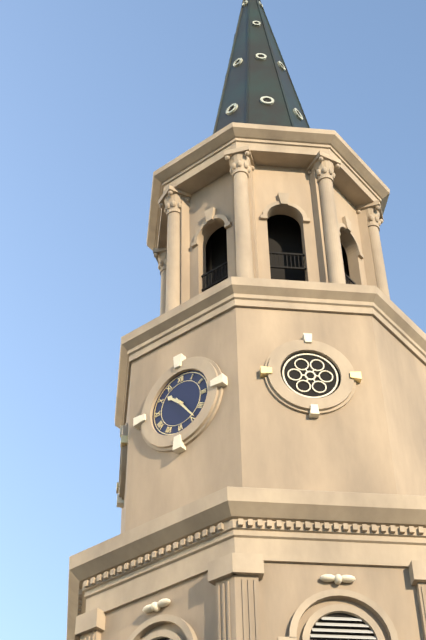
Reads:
10h24
